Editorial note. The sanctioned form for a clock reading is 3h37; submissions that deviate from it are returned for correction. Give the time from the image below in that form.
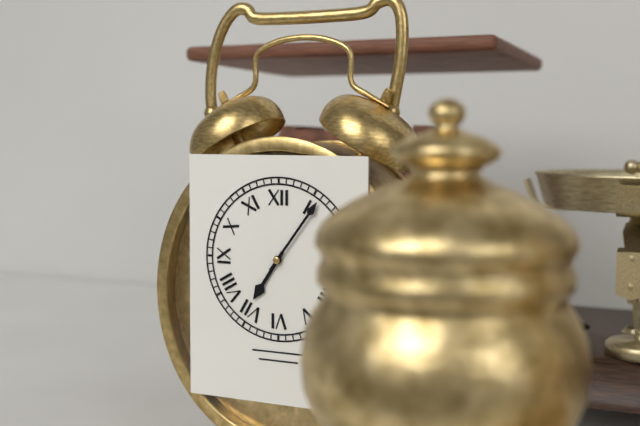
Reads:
7h06
